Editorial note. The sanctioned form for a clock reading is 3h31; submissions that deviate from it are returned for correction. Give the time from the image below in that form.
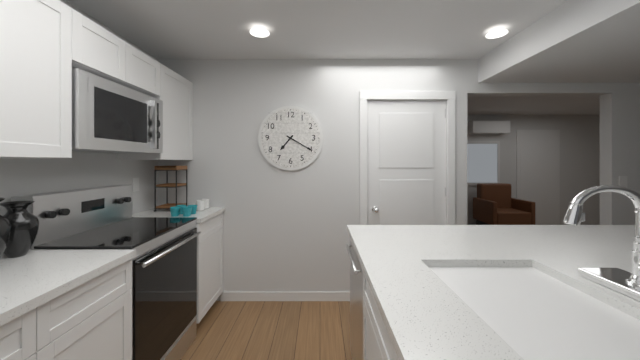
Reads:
7h20
